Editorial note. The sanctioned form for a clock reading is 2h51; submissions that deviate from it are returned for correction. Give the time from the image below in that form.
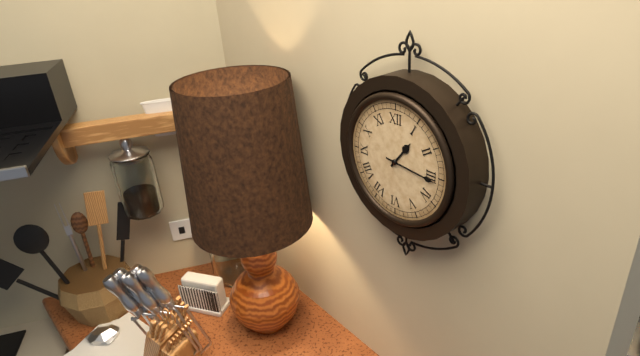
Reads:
1h16
